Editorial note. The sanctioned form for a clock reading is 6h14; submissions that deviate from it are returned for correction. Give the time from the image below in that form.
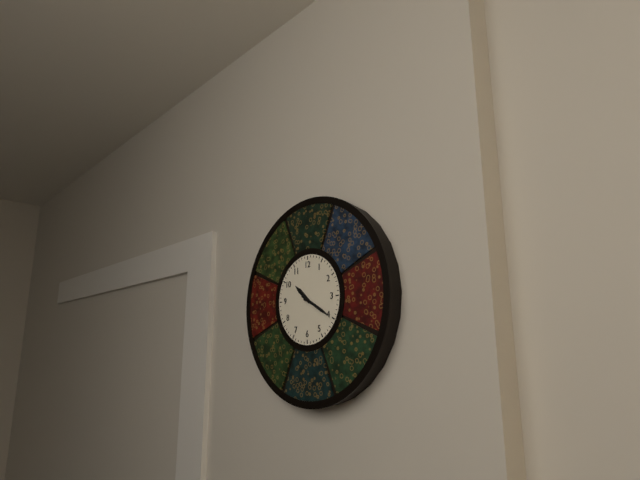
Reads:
10h20
